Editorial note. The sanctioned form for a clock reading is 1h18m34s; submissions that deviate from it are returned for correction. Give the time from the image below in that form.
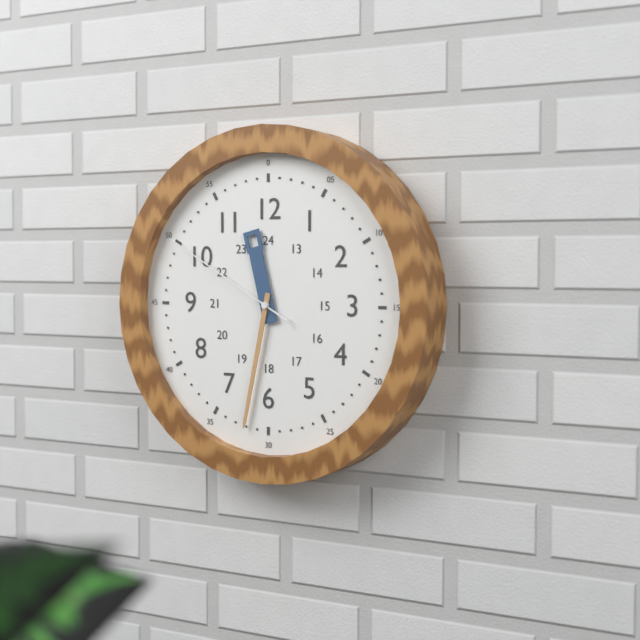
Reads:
11h32m50s
